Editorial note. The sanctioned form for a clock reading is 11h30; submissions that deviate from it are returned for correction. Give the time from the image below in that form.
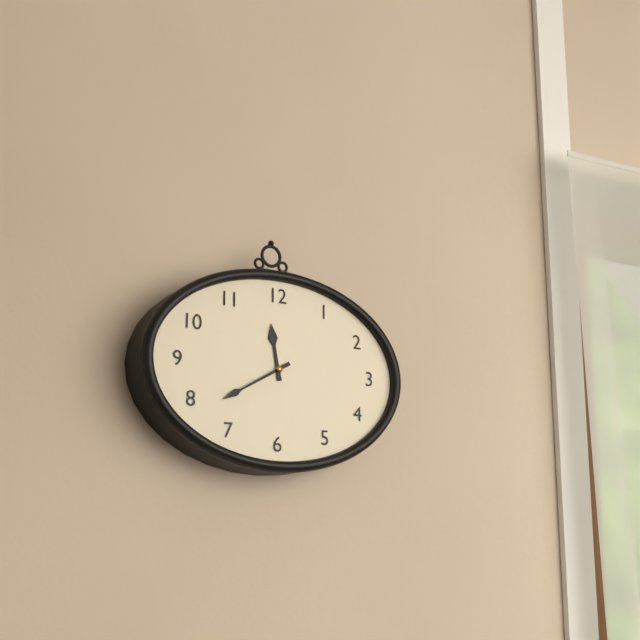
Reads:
11h40
